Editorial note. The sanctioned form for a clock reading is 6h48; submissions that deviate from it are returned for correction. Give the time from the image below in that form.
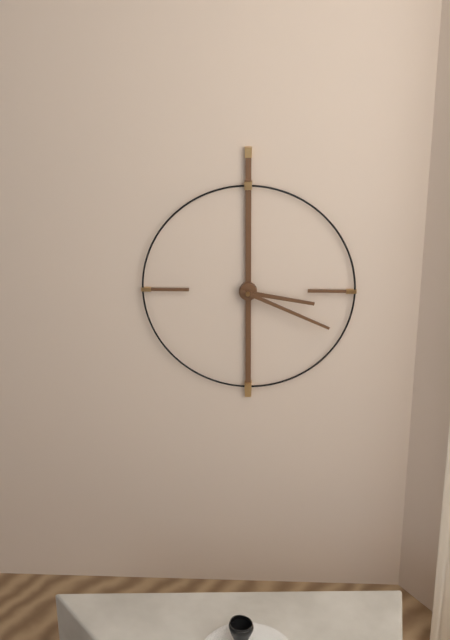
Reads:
3h19
